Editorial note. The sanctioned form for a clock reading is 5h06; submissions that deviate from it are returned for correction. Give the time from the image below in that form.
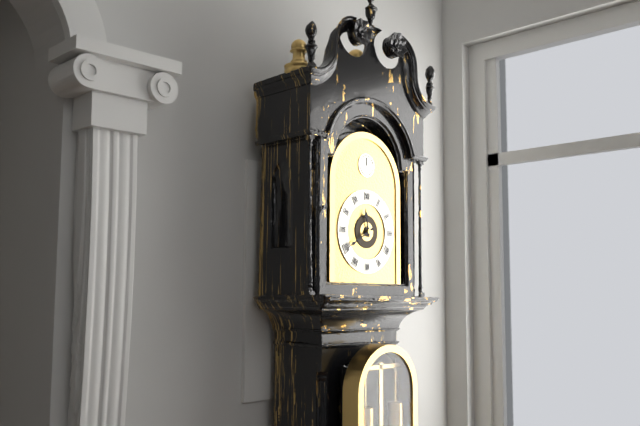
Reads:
11h40
